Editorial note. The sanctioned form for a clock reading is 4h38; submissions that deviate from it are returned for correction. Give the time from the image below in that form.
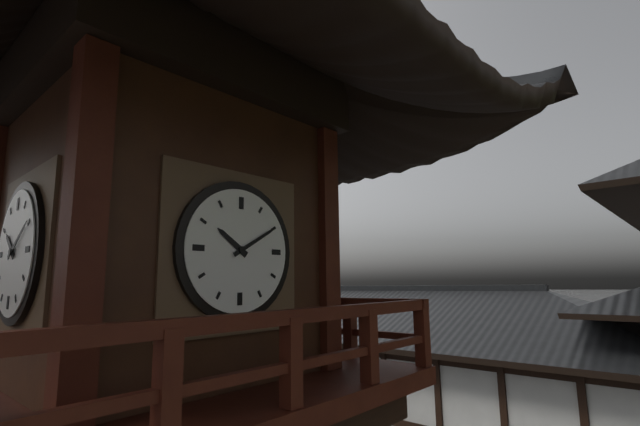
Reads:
10h10
